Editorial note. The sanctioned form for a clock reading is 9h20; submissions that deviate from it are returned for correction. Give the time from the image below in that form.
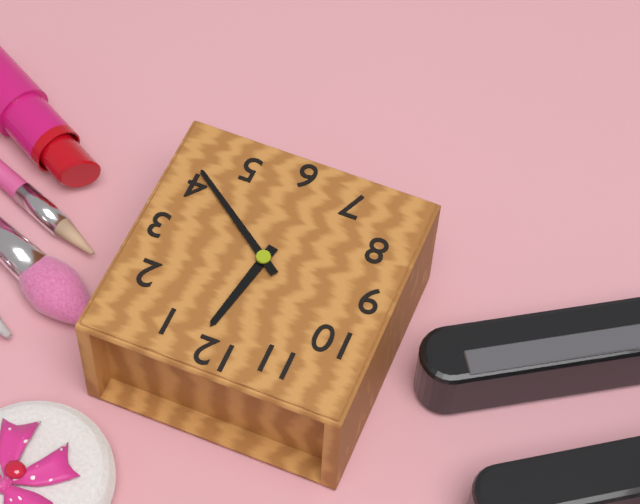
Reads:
12h21
